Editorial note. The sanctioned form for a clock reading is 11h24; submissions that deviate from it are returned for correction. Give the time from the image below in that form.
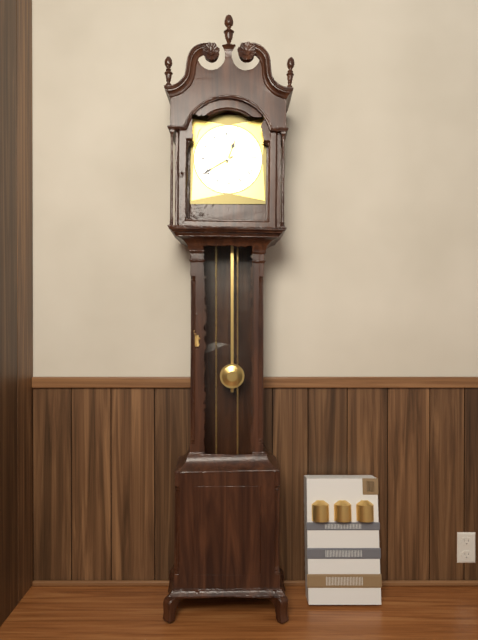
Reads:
12h40
